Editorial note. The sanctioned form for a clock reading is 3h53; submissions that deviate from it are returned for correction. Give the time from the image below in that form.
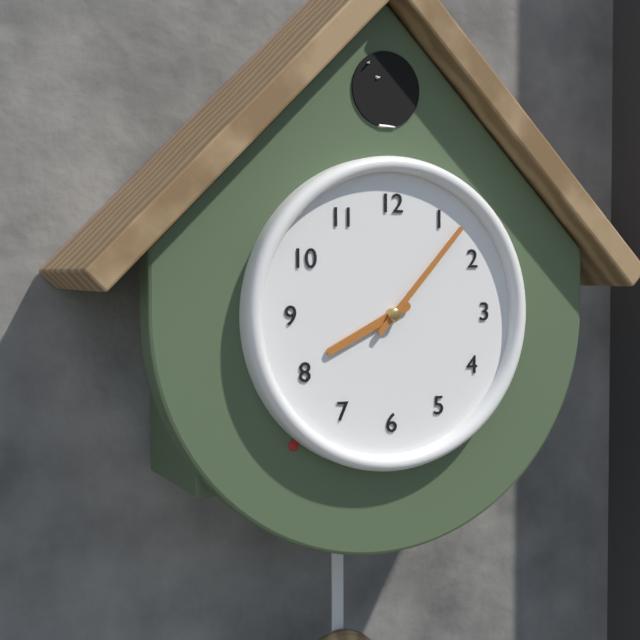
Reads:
8h07
